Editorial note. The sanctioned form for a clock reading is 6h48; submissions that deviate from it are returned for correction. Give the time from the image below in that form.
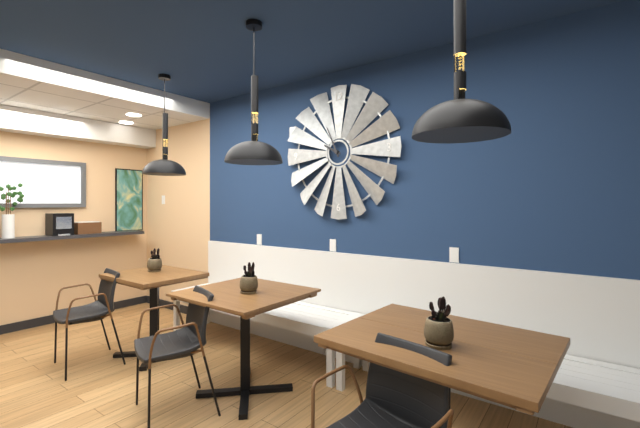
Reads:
9h56
